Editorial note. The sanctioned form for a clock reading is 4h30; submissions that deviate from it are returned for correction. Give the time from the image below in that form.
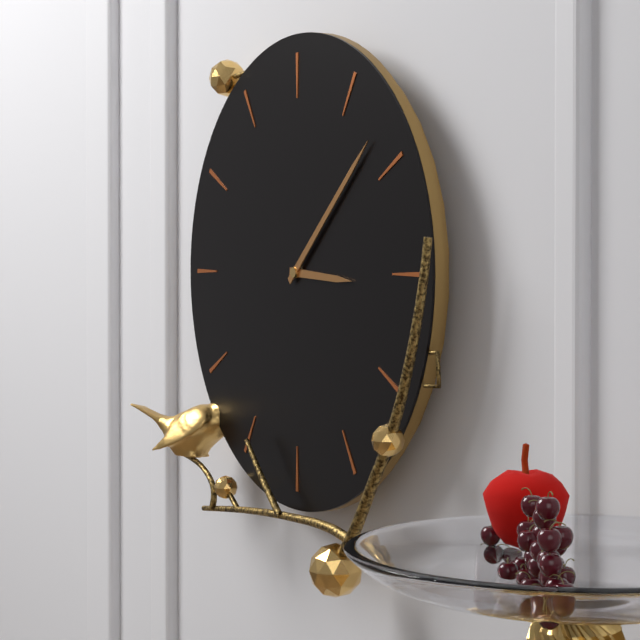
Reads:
3h08
